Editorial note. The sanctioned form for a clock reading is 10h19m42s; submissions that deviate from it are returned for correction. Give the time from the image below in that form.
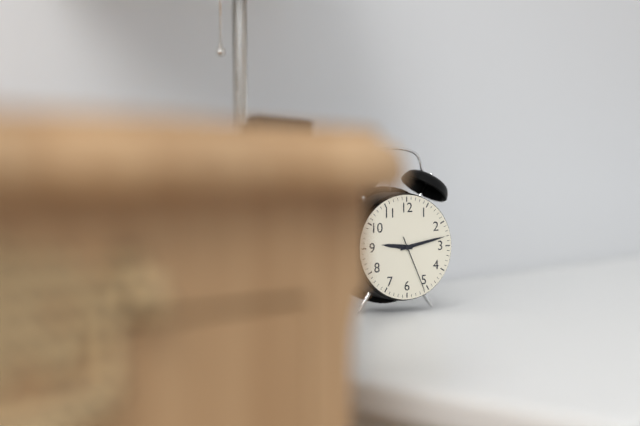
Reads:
9h13m26s
